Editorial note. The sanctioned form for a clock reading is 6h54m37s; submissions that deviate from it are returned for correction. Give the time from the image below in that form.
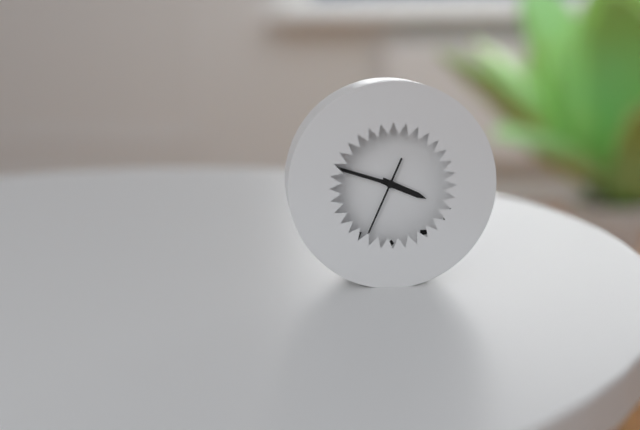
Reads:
3h48m34s
